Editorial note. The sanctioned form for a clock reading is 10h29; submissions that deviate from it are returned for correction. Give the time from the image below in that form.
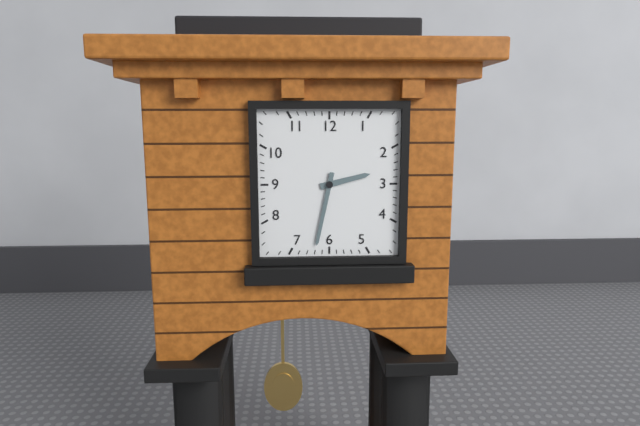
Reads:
2h32
